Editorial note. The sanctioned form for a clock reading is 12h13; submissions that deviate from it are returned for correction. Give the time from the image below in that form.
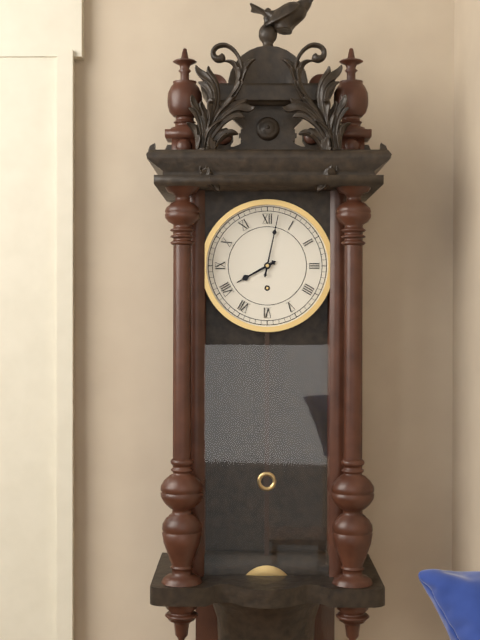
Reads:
8h02
